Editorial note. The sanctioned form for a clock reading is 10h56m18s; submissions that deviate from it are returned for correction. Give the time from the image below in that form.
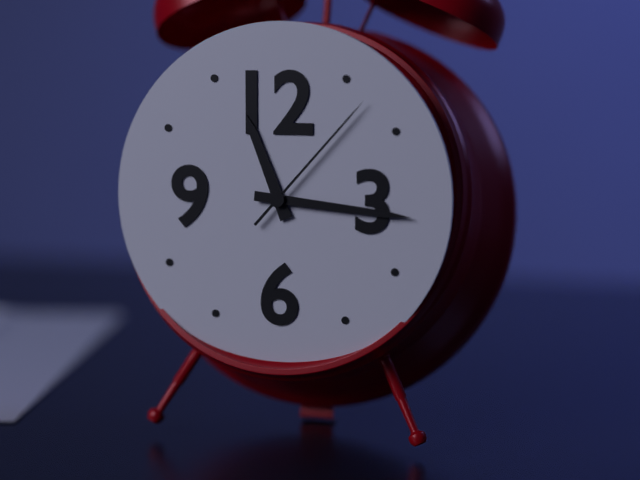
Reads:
11h16m07s
